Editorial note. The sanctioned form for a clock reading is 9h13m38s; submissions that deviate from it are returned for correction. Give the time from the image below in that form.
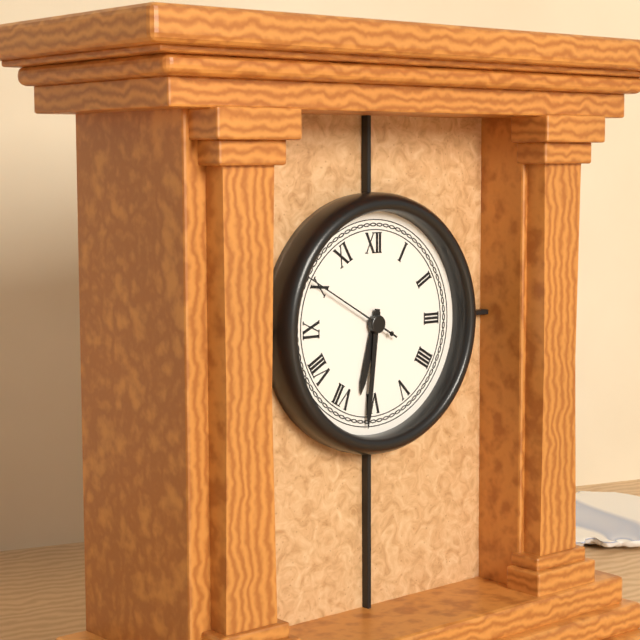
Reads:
6h31m50s
